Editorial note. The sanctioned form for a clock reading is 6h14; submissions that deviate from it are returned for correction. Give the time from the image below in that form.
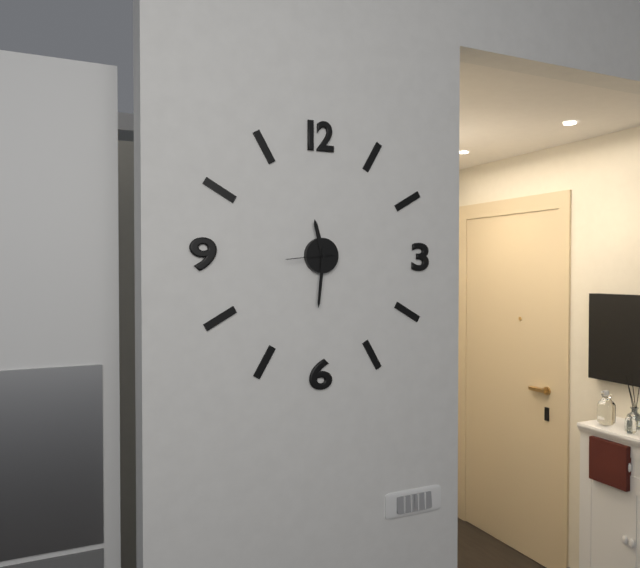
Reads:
11h31
